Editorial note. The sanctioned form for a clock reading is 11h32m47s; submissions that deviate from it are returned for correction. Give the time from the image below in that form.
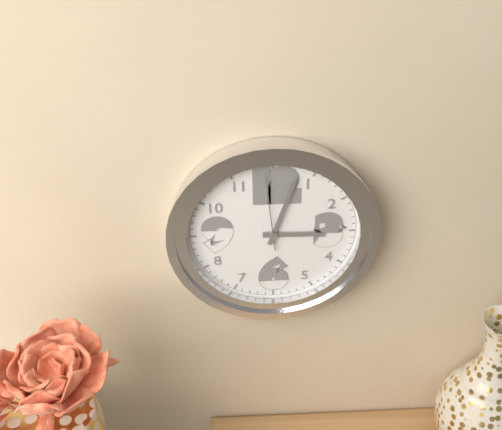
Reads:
3h03m59s
